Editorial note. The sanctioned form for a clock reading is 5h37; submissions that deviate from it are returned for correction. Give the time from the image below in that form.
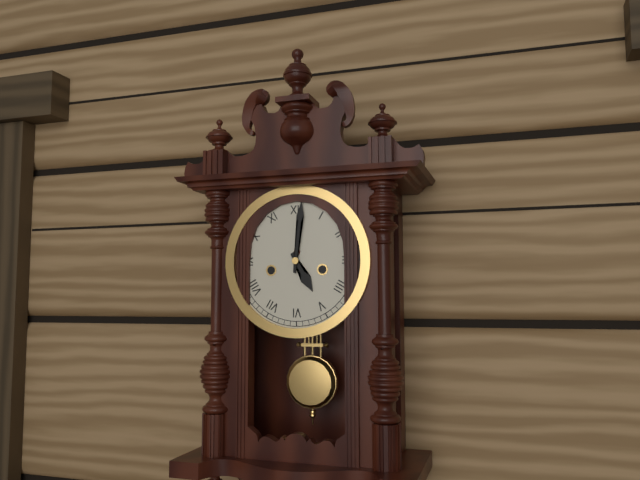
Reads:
5h01
